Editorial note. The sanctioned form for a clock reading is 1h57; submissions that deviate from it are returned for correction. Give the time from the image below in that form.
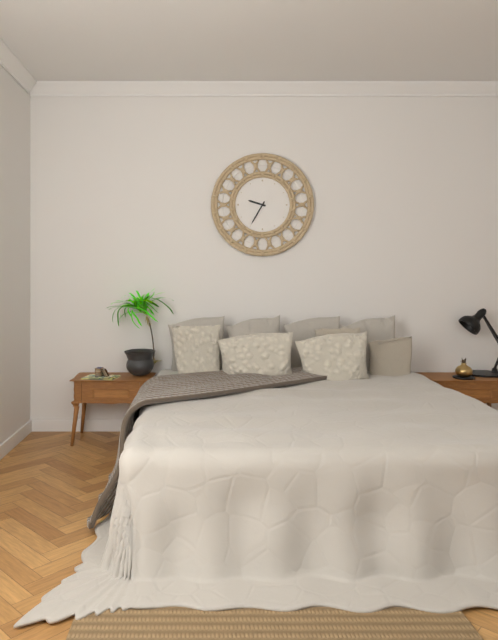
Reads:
9h35
